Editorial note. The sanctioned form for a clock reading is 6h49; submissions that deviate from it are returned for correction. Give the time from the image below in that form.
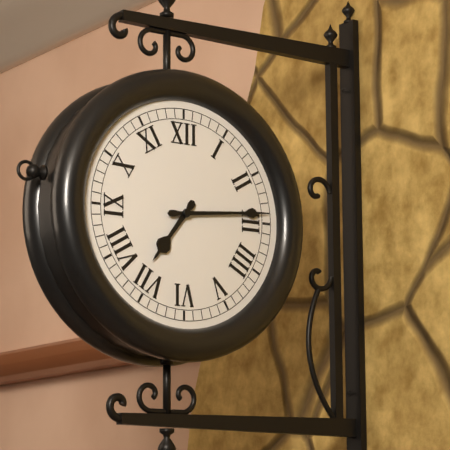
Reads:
7h14
